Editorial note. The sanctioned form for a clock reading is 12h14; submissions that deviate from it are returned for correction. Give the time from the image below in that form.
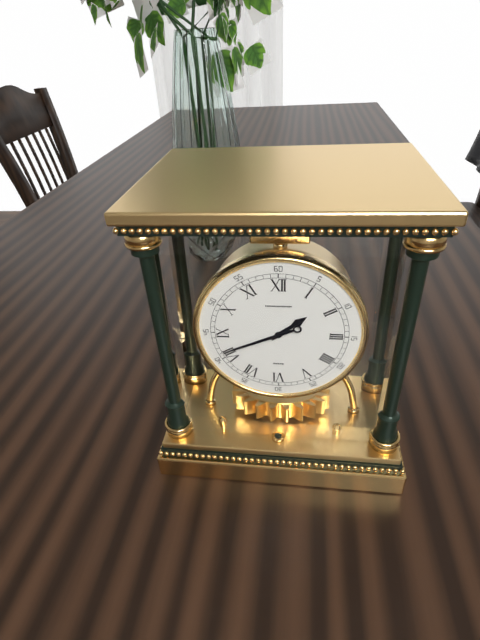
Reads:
1h41
